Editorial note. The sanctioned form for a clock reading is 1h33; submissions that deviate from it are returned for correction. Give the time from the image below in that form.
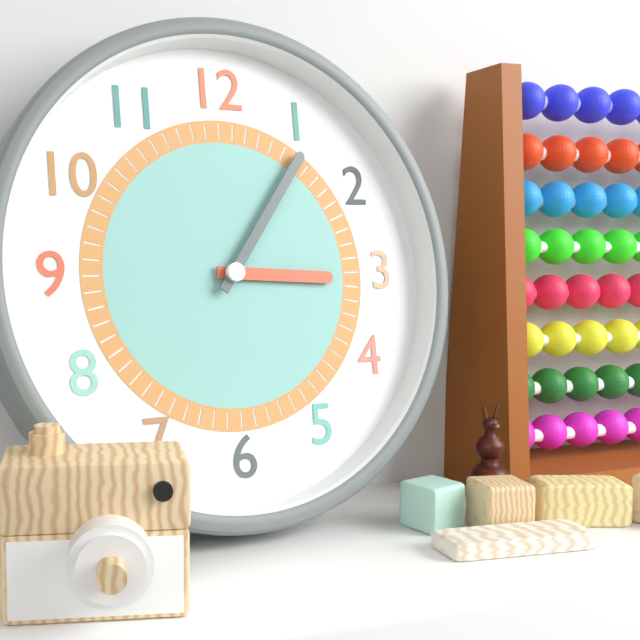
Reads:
3h06
